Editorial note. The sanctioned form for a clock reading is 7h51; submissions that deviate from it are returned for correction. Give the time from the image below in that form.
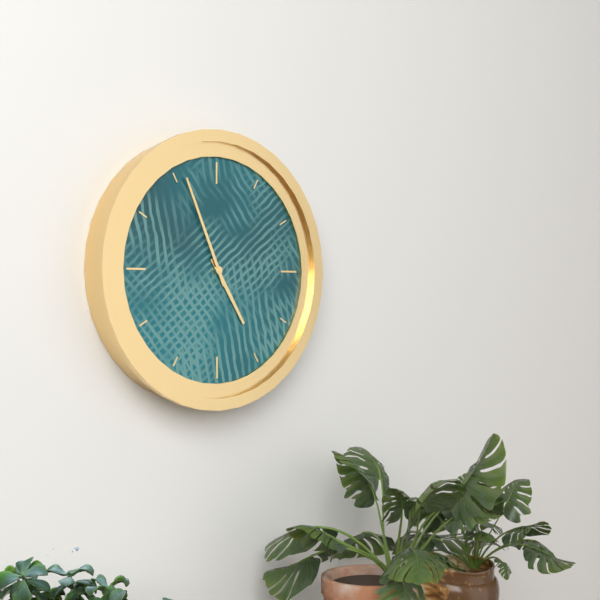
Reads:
4h56
